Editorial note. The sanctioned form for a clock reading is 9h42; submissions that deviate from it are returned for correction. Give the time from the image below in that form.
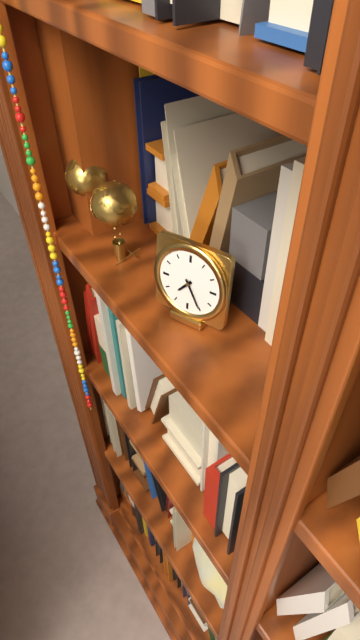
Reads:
7h25
